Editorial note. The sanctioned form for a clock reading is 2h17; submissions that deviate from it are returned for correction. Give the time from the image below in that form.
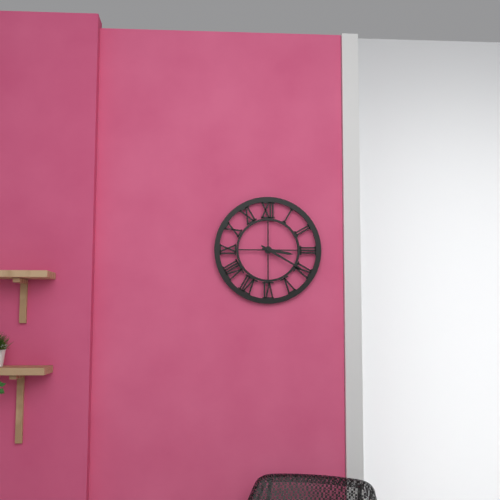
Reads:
3h20
